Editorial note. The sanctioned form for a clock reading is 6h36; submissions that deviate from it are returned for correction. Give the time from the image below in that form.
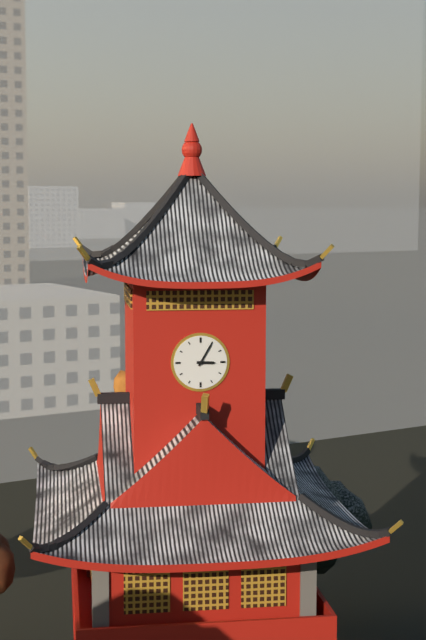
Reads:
3h05
